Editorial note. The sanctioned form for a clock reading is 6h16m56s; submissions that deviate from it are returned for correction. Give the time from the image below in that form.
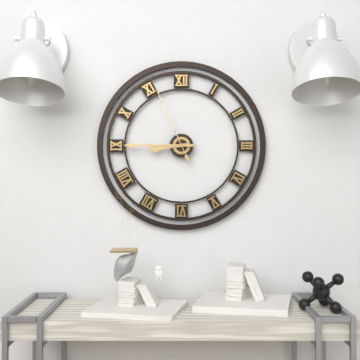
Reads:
8h45m56s
